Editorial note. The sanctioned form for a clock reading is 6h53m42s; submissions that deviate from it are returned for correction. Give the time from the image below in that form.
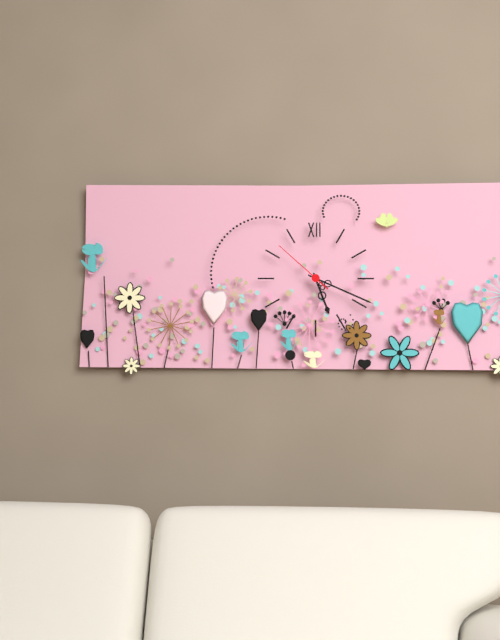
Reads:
5h19m52s
